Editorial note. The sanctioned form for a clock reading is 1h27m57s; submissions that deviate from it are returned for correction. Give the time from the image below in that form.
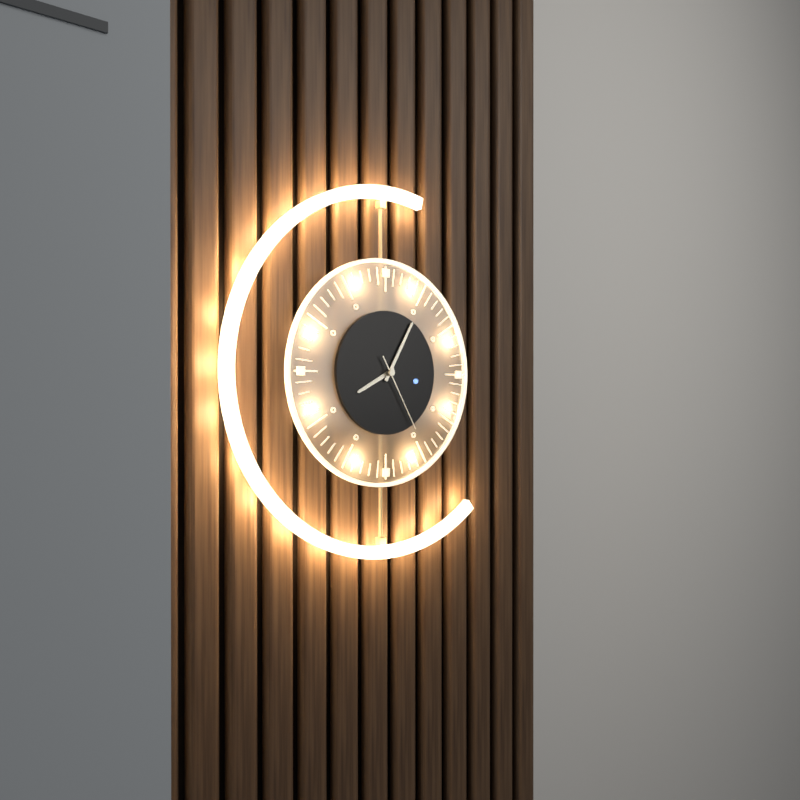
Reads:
8h05m25s
